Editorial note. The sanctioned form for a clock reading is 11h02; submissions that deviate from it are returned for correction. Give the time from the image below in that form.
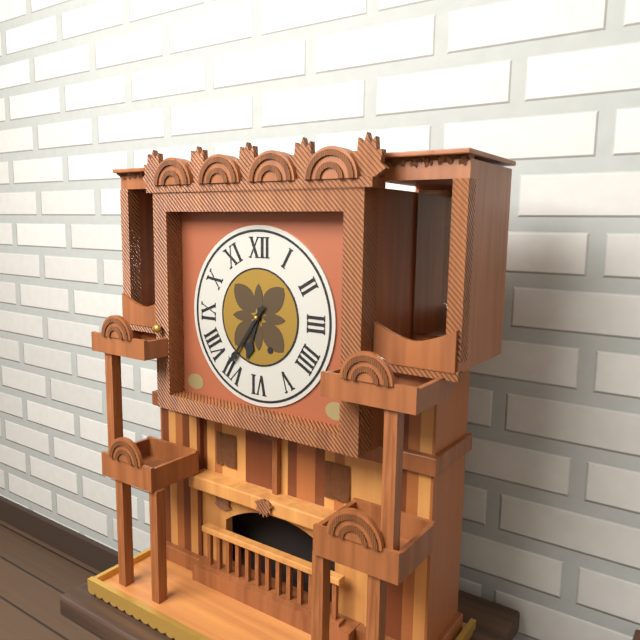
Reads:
6h36
